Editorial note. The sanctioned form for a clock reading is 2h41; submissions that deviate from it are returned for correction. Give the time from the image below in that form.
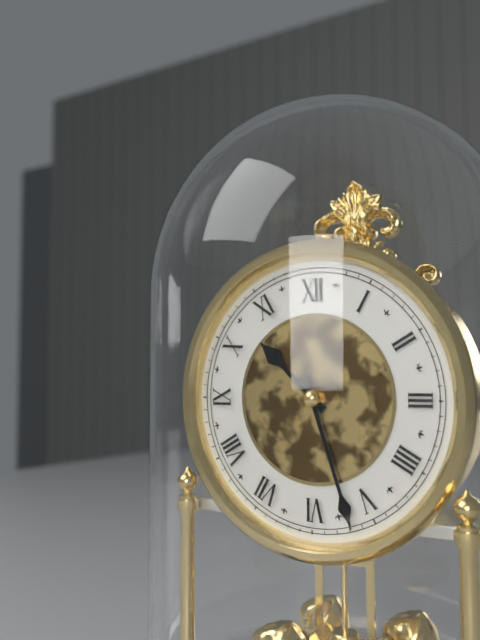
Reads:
10h27
